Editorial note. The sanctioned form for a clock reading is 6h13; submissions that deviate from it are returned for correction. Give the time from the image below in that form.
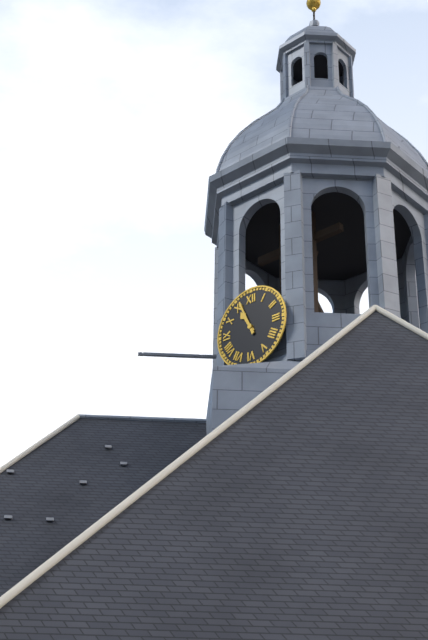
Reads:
10h56
